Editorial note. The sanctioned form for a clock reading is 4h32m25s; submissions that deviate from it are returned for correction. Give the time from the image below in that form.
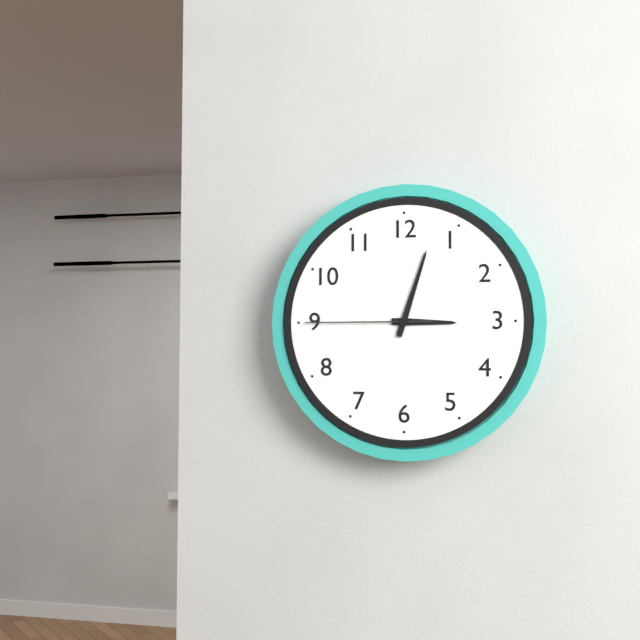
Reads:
3h03m45s
